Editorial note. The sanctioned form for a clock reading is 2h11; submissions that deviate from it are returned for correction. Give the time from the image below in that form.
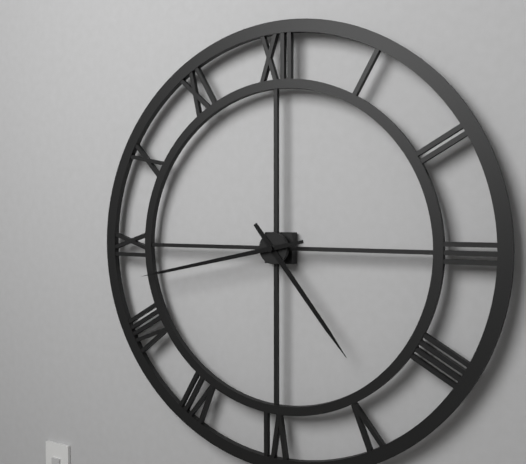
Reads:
4h43
